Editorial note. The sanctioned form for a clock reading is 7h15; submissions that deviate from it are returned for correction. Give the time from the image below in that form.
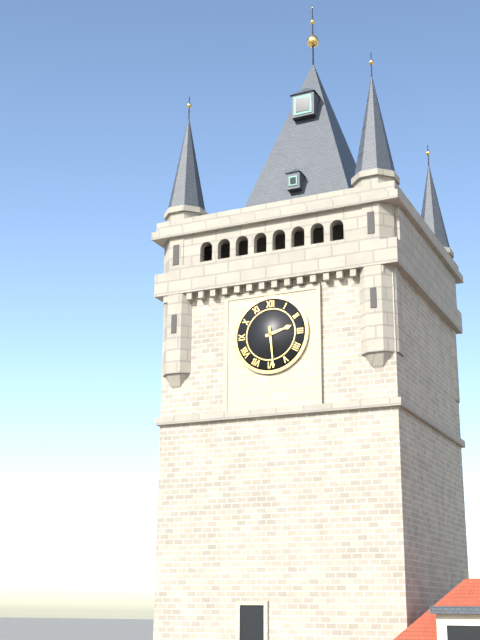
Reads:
2h29
